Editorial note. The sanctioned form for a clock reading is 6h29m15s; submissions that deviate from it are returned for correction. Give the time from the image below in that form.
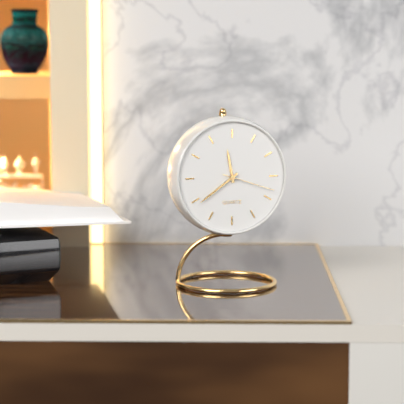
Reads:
11h39m18s
